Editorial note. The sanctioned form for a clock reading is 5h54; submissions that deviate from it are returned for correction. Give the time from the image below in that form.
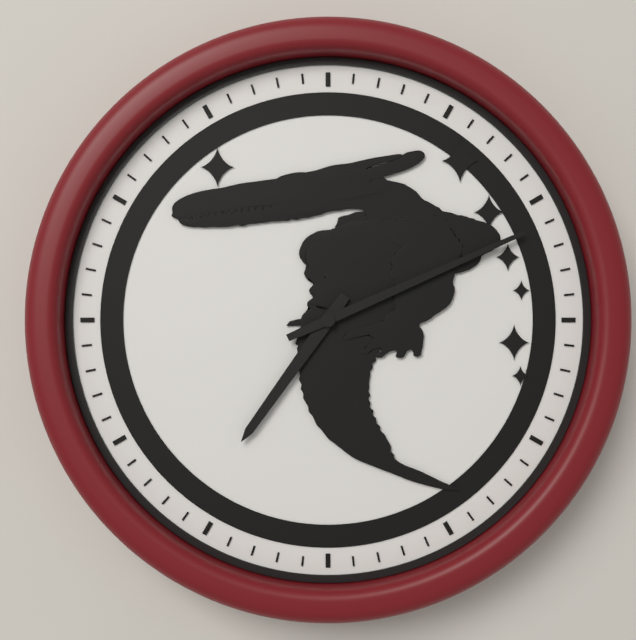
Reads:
7h11
